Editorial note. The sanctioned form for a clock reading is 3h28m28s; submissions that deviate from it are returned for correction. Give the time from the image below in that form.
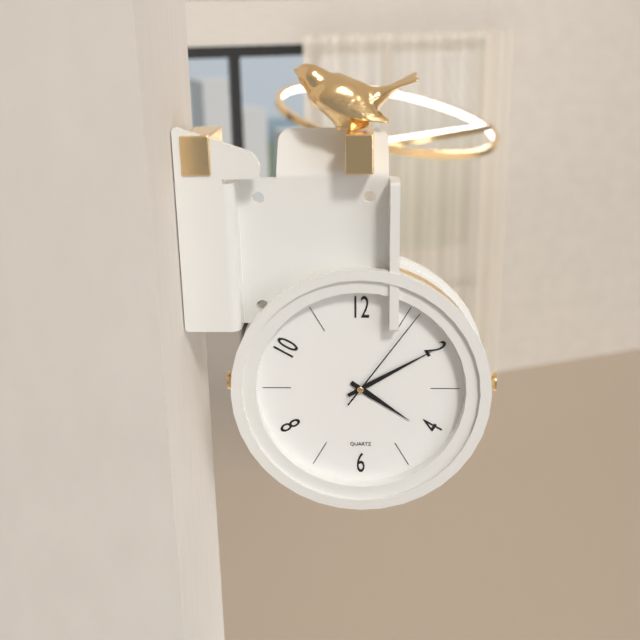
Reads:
4h10m06s
